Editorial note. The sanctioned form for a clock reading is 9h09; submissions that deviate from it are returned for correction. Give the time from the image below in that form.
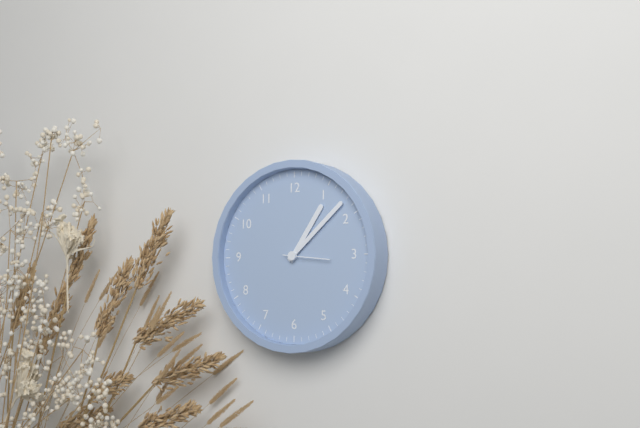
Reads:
1h08
